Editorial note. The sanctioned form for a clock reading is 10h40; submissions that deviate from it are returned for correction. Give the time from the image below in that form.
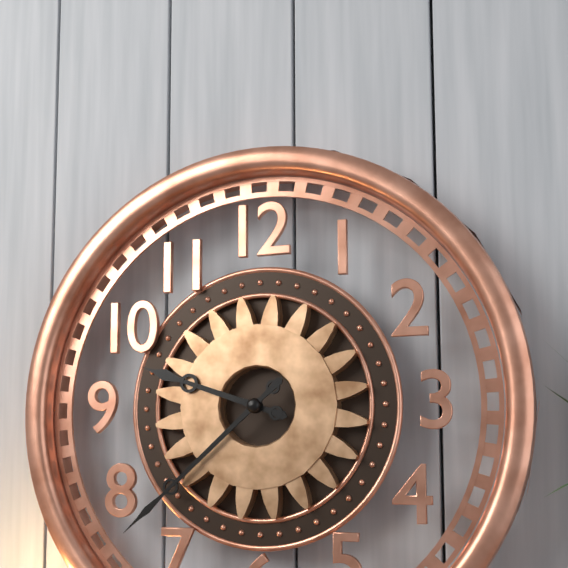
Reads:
9h38
